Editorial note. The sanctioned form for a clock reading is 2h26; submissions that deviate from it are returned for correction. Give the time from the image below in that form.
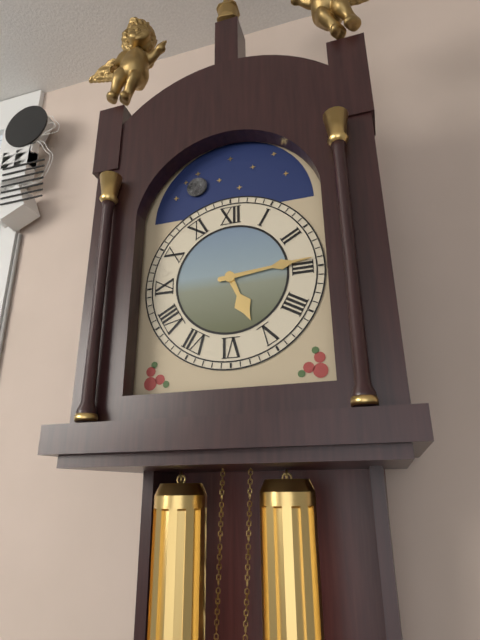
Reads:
5h14
